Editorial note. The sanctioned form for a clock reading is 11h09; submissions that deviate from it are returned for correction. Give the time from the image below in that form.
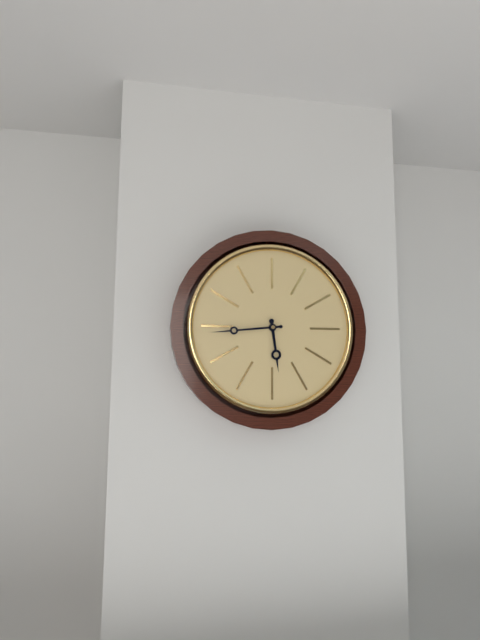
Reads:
5h44
